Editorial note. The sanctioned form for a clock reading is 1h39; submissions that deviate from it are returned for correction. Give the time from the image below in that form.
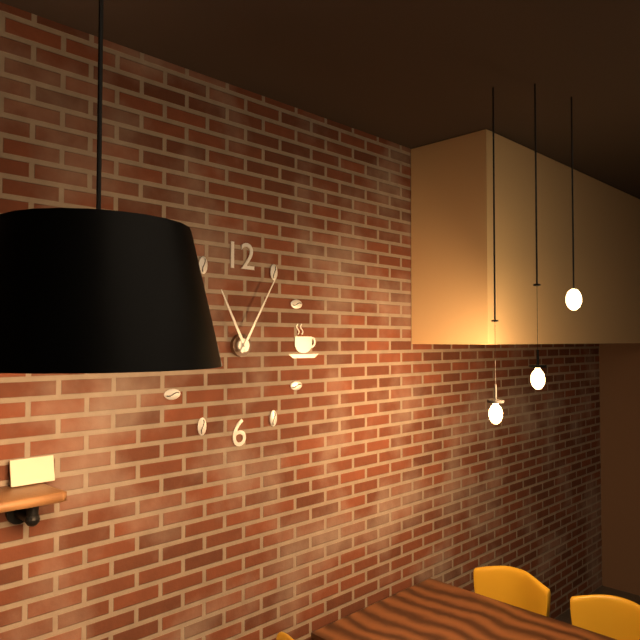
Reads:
11h05
